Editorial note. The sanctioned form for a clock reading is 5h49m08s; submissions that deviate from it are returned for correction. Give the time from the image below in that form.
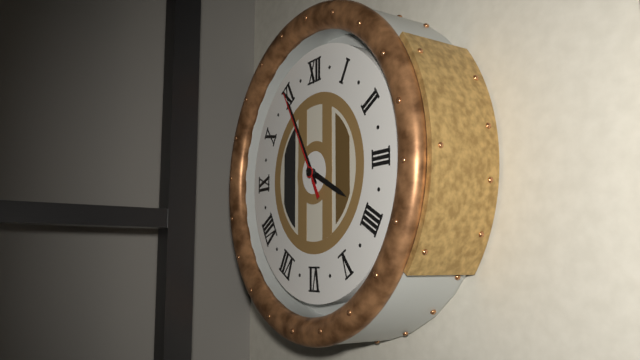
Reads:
3h55m55s
